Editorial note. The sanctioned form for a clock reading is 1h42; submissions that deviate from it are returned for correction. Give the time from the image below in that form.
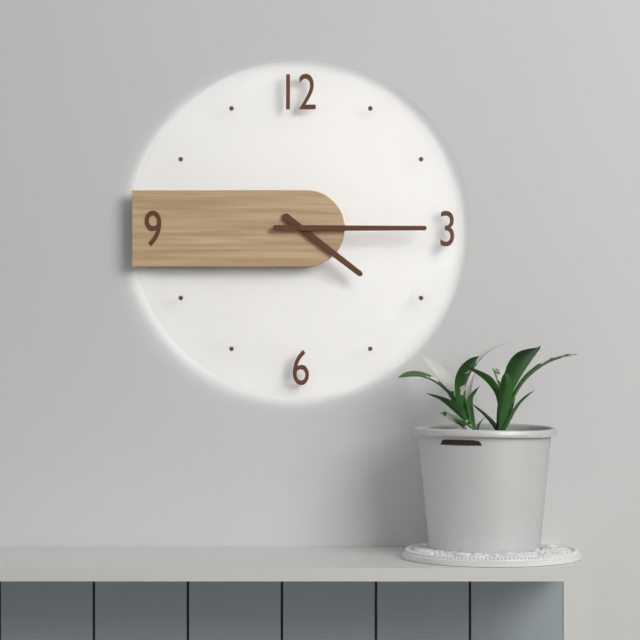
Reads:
4h15
